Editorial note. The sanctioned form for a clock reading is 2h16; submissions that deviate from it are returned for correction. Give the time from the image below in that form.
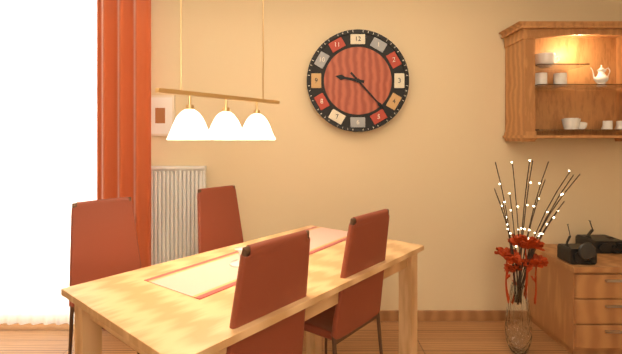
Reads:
9h23
